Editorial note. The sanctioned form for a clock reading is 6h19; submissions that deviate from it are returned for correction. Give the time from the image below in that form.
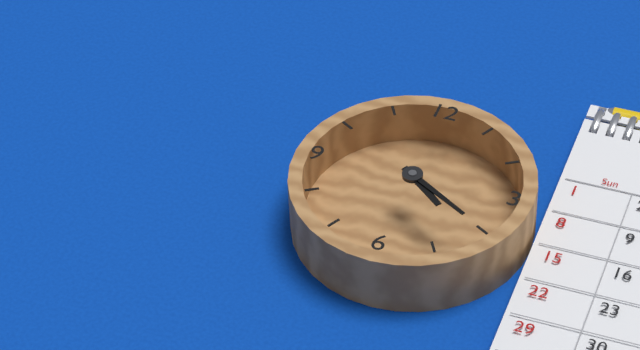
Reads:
4h20
